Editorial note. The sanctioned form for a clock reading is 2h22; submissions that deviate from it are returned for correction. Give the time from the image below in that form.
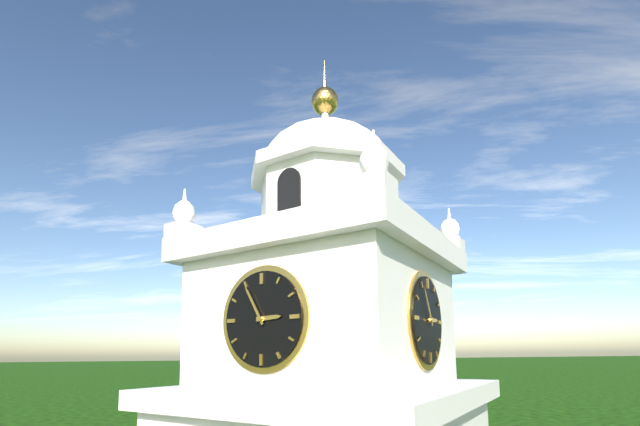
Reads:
2h55
